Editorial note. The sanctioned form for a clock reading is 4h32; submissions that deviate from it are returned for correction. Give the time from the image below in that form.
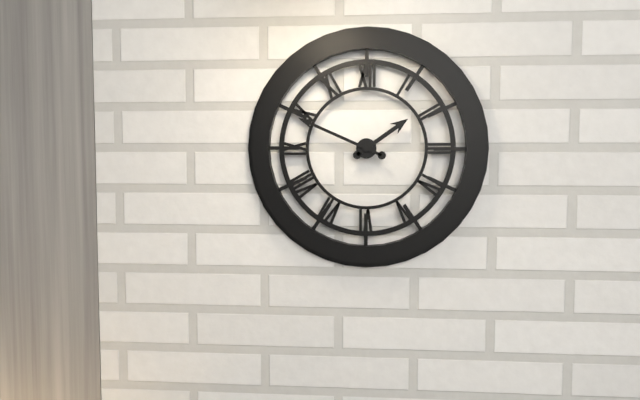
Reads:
1h49
